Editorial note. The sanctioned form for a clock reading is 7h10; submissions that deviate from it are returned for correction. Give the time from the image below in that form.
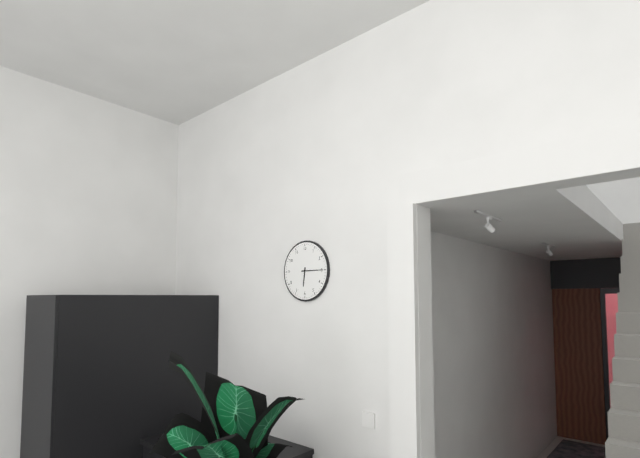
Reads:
6h15
